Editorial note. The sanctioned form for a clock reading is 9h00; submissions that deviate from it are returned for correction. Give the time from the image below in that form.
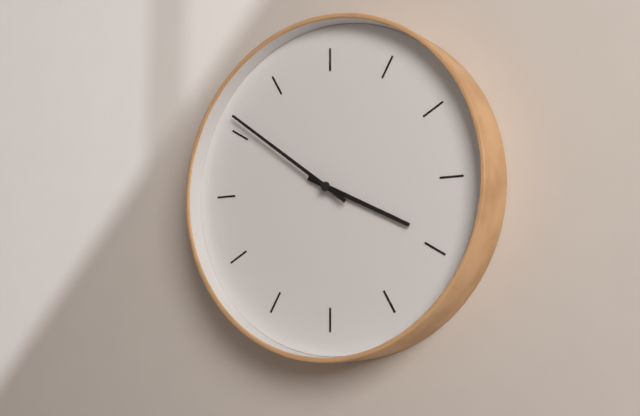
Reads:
3h51
